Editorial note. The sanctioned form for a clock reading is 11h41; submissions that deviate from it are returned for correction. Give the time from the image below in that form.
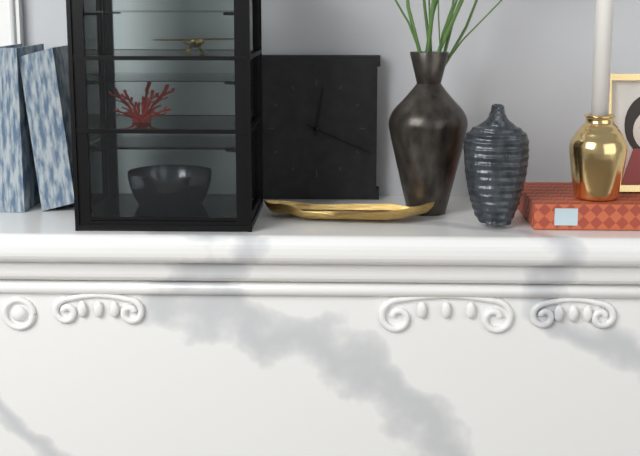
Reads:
12h19
